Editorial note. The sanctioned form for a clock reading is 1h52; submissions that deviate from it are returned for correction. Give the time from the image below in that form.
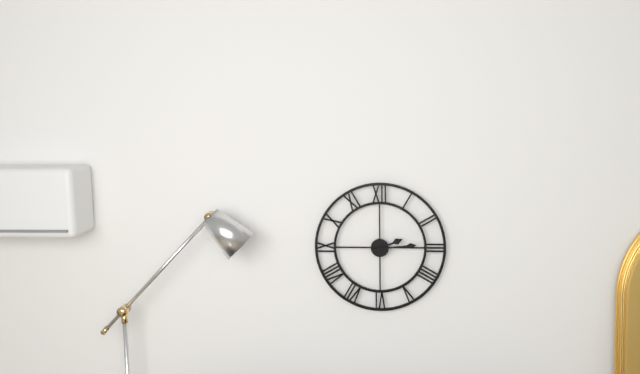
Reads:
2h14
